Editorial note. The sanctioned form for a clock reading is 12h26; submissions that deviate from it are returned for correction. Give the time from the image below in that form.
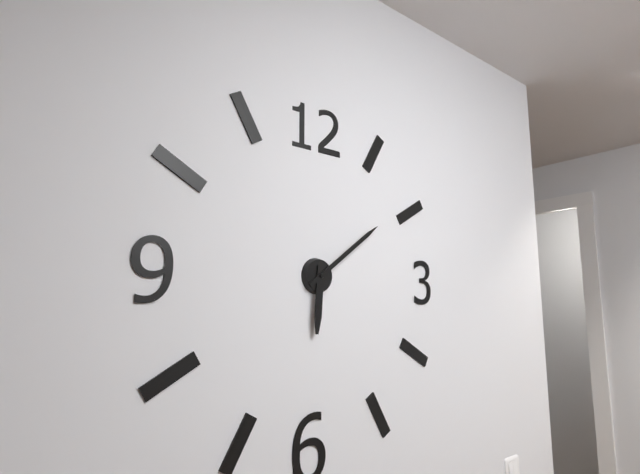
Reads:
6h09
